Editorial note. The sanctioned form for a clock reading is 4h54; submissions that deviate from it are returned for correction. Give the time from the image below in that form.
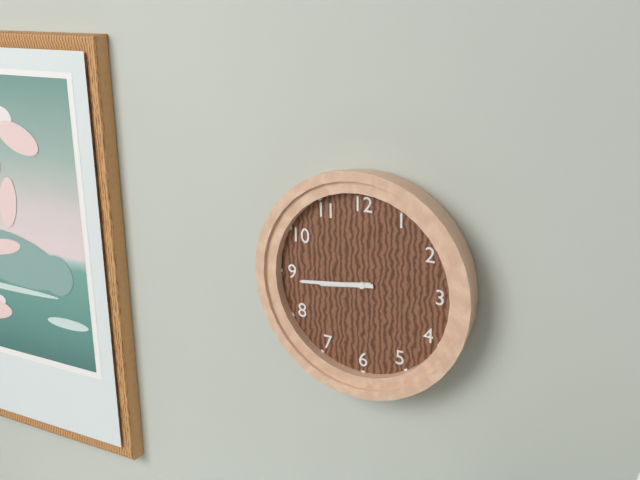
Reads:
8h44
